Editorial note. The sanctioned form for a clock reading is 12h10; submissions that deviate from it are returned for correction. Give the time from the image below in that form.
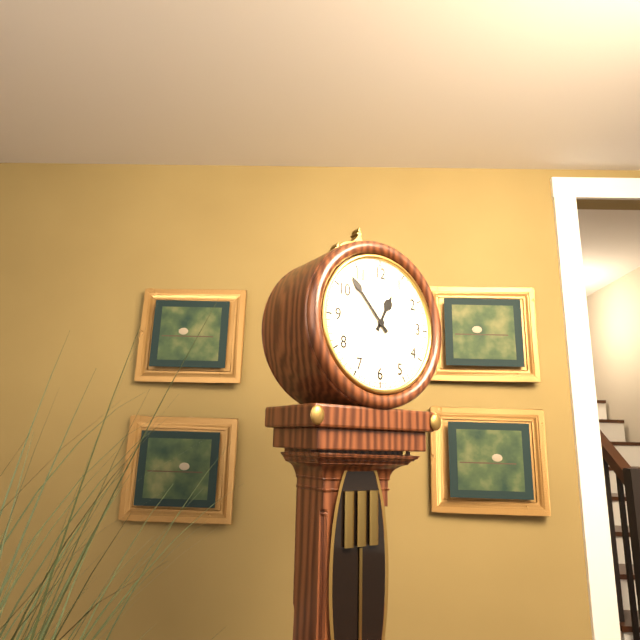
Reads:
12h53
